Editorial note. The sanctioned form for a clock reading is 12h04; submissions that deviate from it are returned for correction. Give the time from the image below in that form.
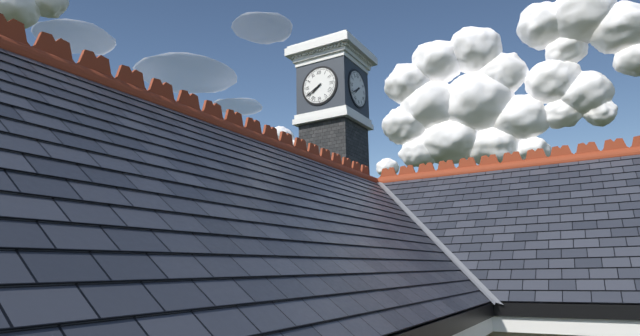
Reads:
7h40
